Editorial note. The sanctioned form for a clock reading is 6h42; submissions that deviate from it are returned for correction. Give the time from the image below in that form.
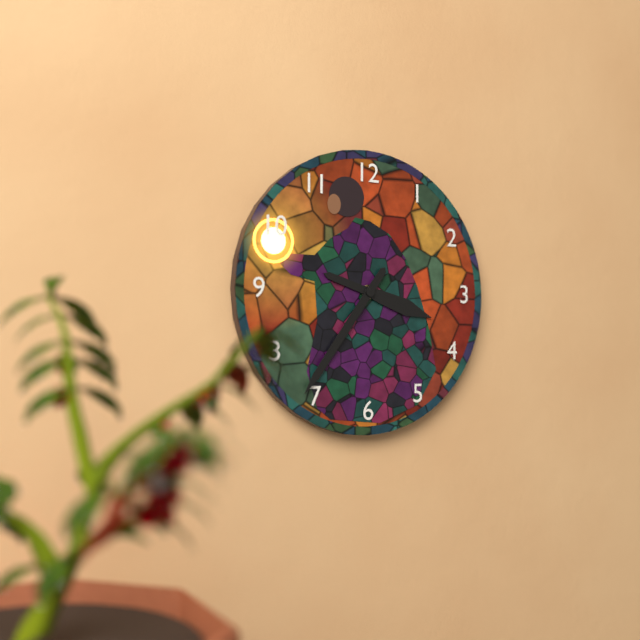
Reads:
3h36
